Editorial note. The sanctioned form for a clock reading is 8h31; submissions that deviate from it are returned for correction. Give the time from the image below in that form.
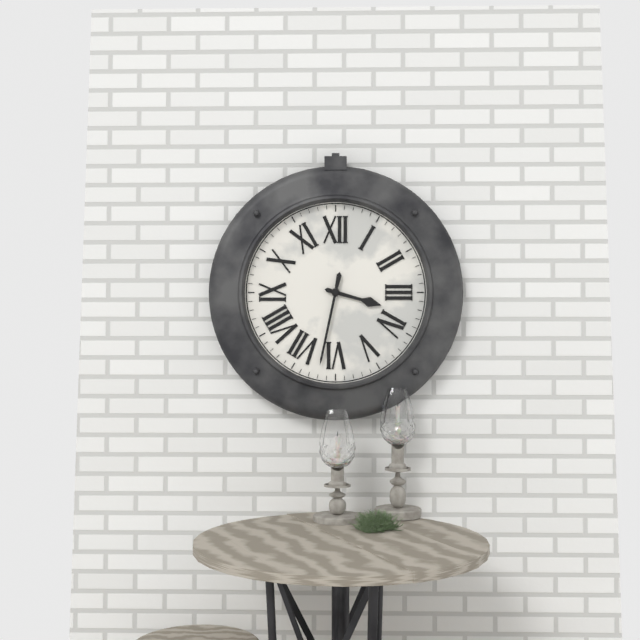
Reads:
3h32
